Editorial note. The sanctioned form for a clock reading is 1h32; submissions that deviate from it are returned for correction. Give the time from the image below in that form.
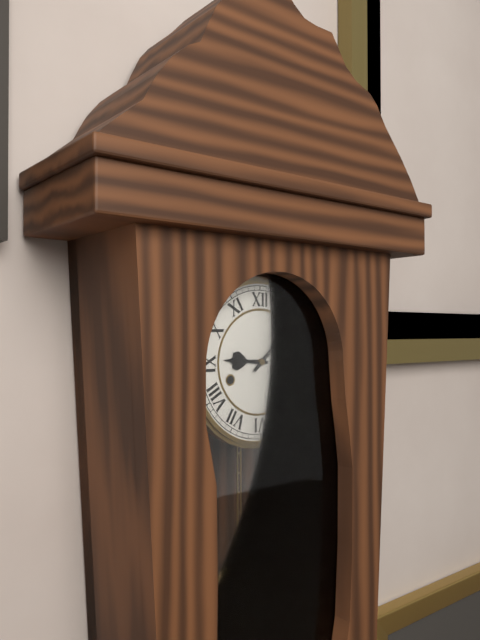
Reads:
9h08
